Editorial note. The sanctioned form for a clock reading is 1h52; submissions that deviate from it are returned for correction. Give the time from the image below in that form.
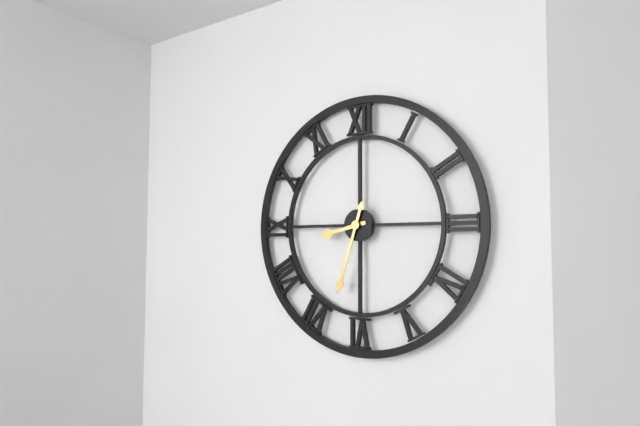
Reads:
8h33
